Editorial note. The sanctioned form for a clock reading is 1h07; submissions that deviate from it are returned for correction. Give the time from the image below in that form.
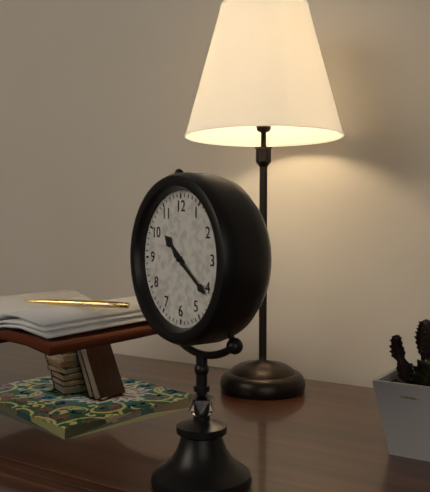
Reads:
10h21
